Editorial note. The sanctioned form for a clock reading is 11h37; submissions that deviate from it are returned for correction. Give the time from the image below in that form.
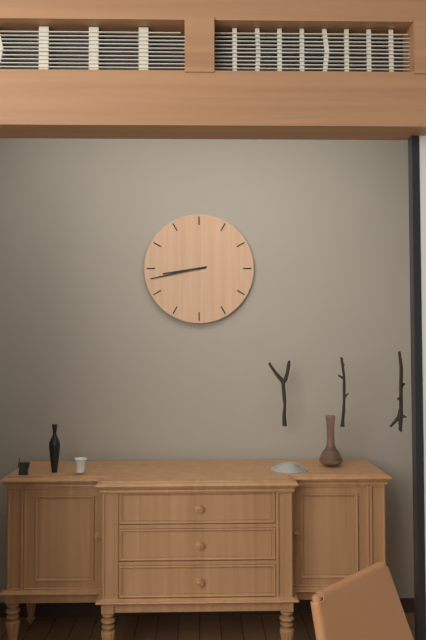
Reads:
8h43
